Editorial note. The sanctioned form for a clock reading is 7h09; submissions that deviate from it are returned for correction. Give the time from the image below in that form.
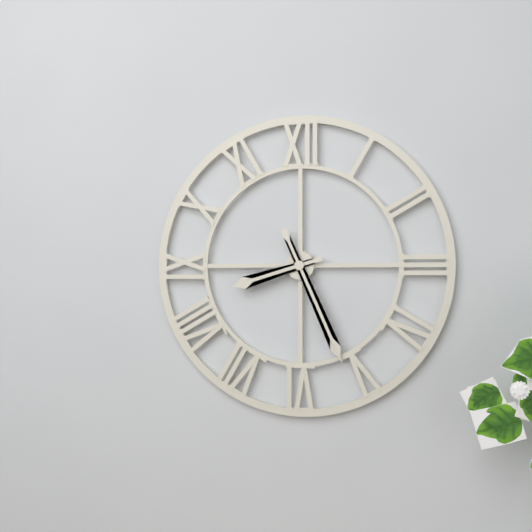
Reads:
8h26
